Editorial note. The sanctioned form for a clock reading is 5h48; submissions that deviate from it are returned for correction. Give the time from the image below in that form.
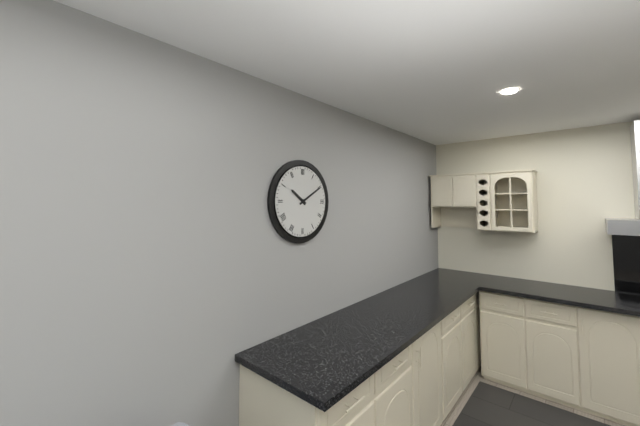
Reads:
10h10
